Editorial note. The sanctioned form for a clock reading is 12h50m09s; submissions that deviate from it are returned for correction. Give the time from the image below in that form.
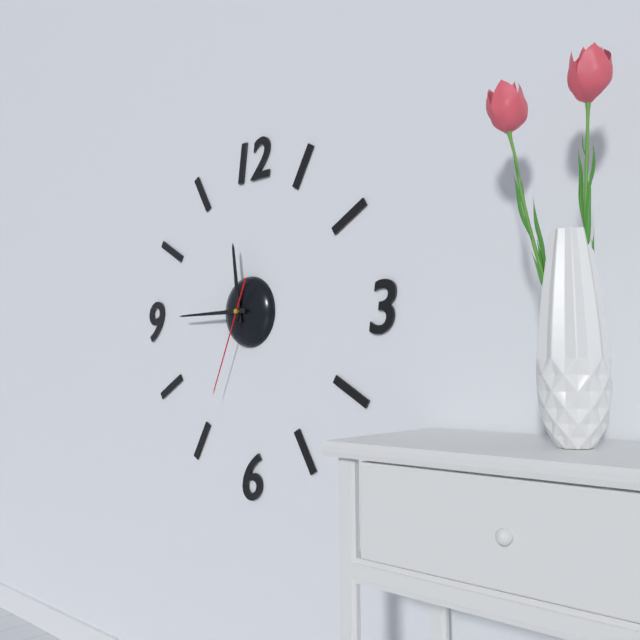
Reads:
11h45m34s
